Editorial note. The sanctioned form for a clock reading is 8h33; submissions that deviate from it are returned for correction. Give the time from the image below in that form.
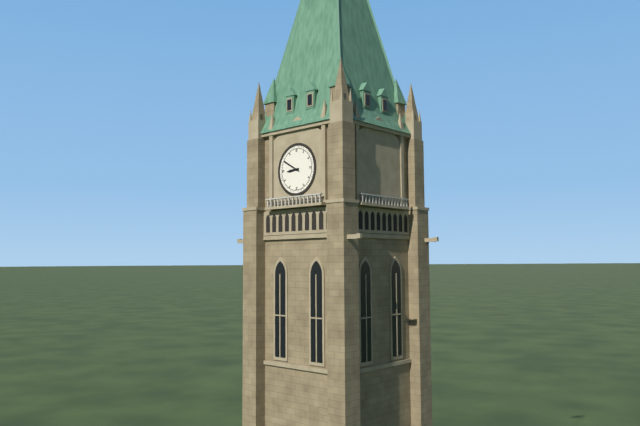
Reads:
8h50
